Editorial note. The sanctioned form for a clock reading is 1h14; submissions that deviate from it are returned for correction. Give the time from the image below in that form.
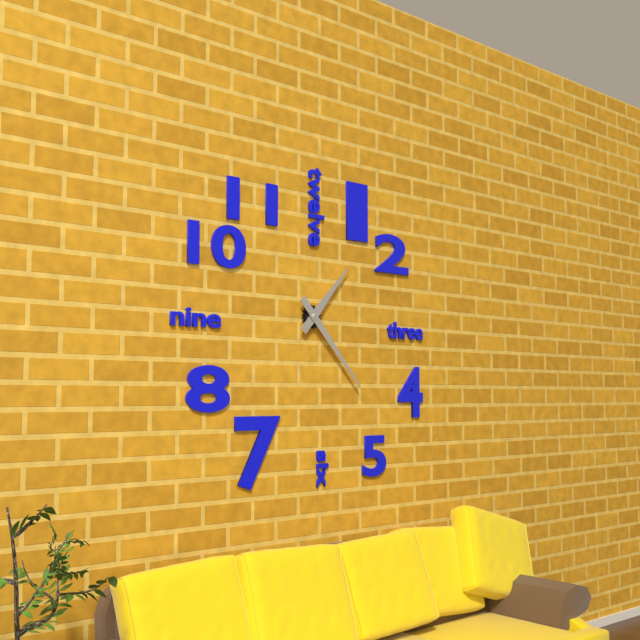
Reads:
1h23
